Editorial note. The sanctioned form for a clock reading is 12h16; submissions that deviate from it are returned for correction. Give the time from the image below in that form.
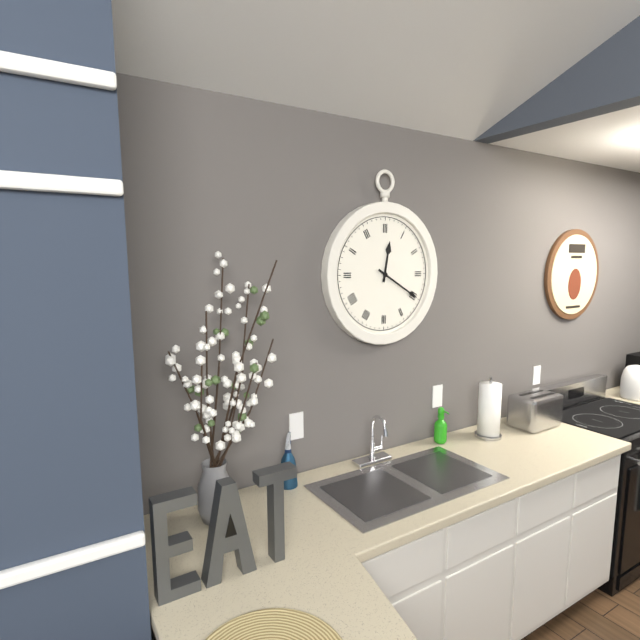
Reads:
12h20
